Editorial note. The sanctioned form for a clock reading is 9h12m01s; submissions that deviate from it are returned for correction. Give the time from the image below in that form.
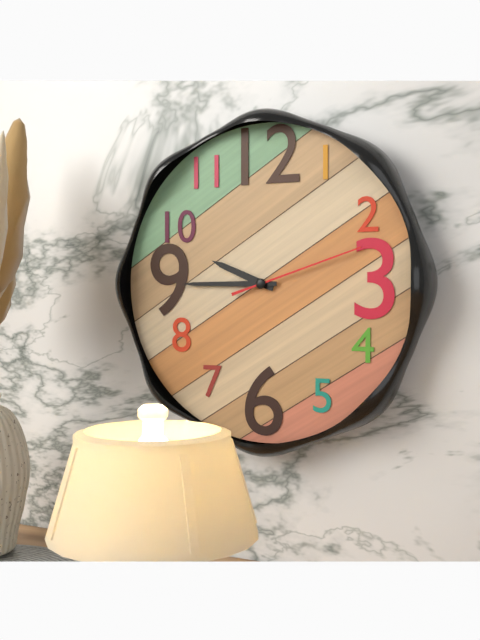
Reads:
9h45m12s
